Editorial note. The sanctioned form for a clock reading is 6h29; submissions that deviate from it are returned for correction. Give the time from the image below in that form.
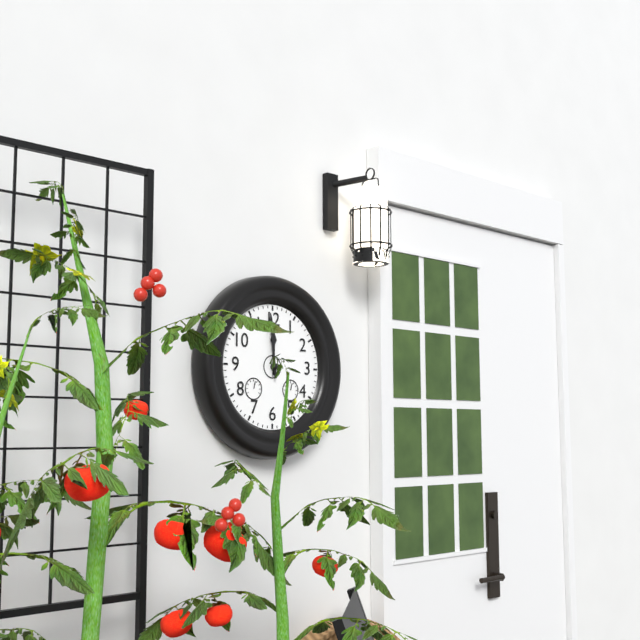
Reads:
11h59
